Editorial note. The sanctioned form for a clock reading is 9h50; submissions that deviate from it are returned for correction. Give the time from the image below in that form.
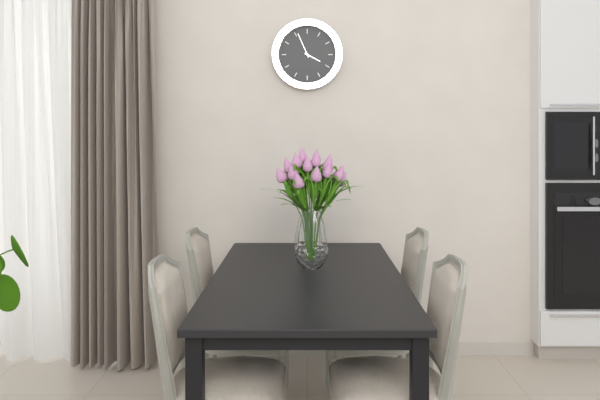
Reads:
3h56
